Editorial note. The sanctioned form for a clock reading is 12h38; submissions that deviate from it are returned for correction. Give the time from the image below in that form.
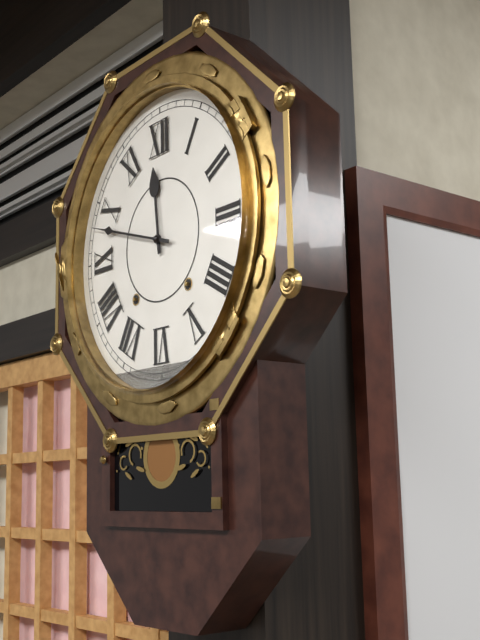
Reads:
11h48
